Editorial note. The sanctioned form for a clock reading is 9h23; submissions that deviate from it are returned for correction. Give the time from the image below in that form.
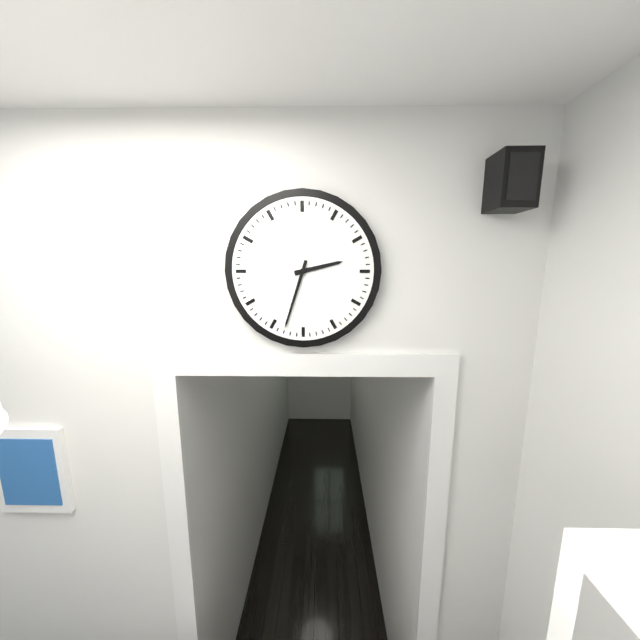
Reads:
2h33
